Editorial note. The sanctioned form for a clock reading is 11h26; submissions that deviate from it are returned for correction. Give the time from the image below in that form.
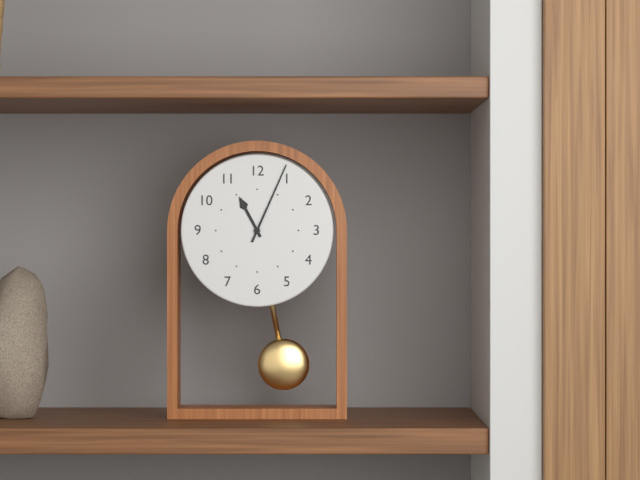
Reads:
11h04
